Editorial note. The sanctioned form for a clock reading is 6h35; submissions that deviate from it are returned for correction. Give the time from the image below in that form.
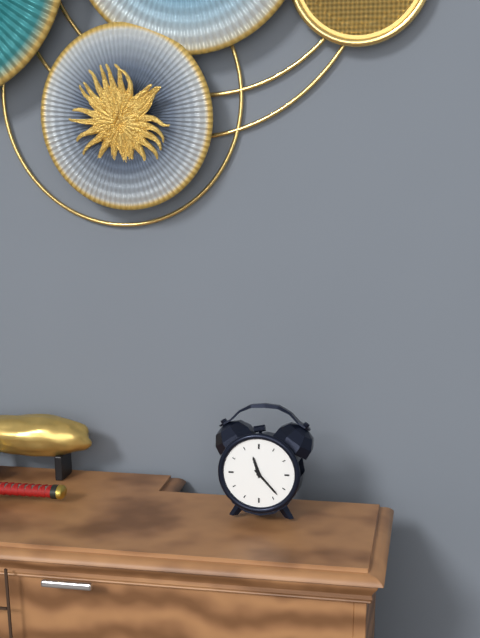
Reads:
11h23
